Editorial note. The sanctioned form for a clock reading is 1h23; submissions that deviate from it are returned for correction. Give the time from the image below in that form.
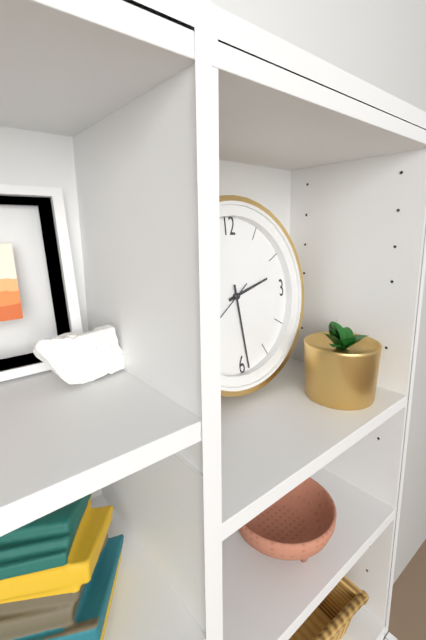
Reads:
2h29
